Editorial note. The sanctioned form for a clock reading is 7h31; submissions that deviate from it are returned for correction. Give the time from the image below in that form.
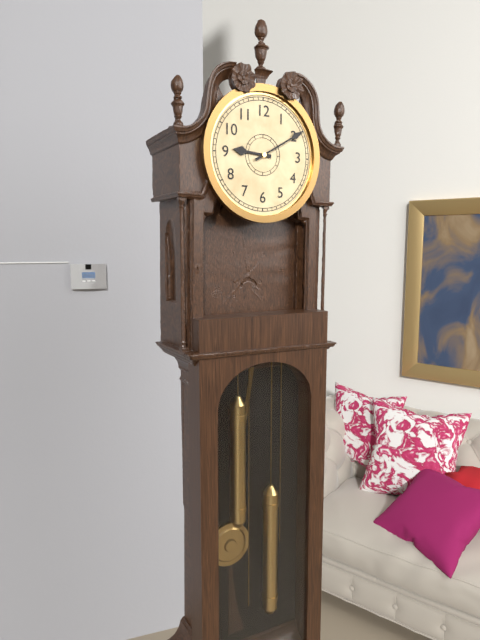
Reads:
9h10
